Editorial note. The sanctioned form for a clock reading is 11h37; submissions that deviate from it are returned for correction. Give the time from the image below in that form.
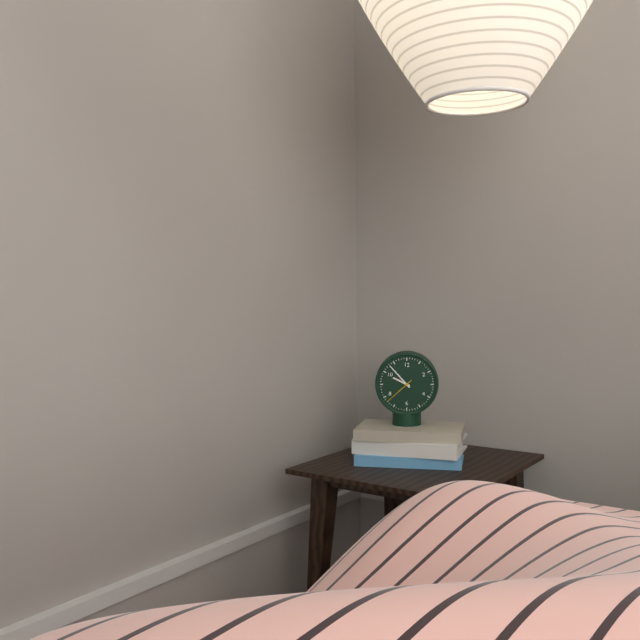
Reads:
9h53
